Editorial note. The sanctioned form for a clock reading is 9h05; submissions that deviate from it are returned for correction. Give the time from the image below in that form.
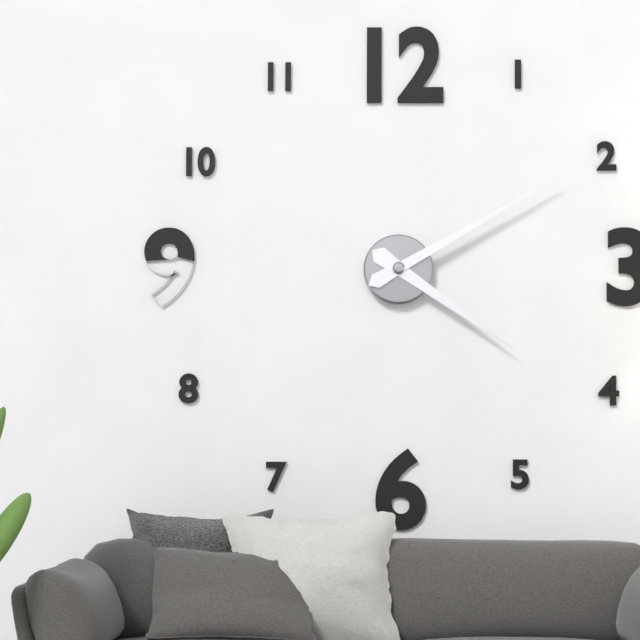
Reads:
4h10
